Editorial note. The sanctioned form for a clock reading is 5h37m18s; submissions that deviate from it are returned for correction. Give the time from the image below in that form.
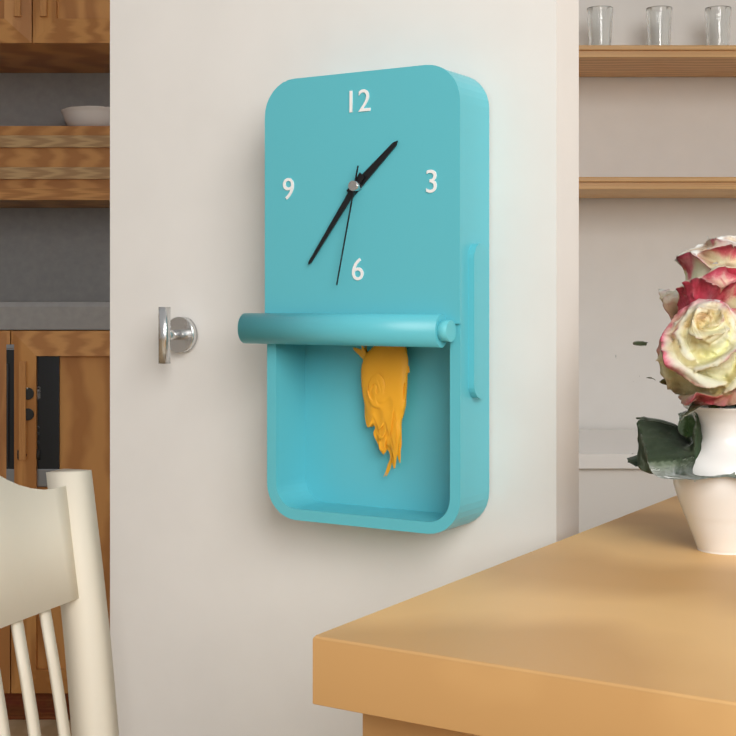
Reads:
1h36m32s
